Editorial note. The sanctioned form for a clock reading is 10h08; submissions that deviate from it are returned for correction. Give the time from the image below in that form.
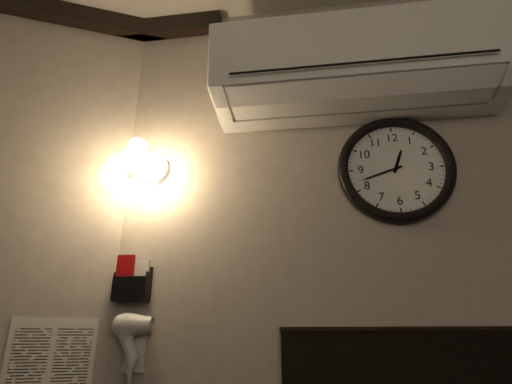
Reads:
12h42
